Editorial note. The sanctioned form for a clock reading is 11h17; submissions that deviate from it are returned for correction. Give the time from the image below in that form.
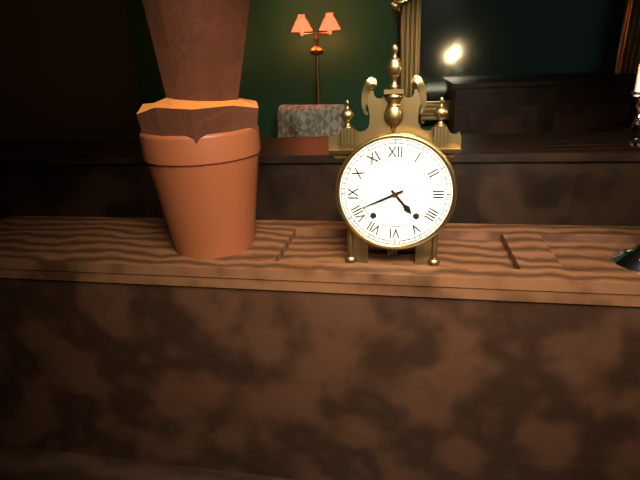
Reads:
4h41
